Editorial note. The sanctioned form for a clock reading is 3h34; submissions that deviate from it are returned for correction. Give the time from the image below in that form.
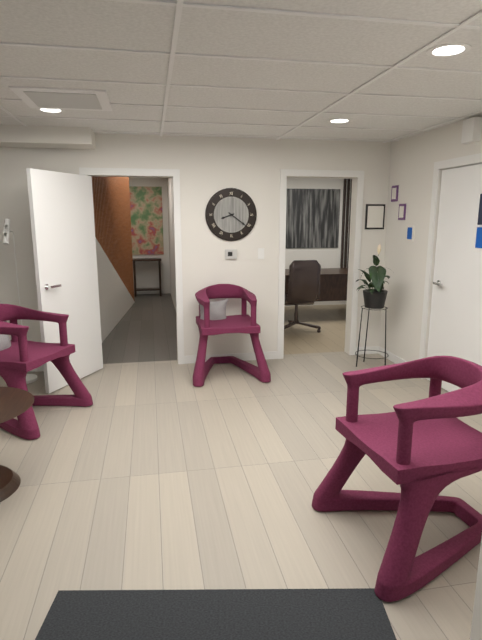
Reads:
8h21
